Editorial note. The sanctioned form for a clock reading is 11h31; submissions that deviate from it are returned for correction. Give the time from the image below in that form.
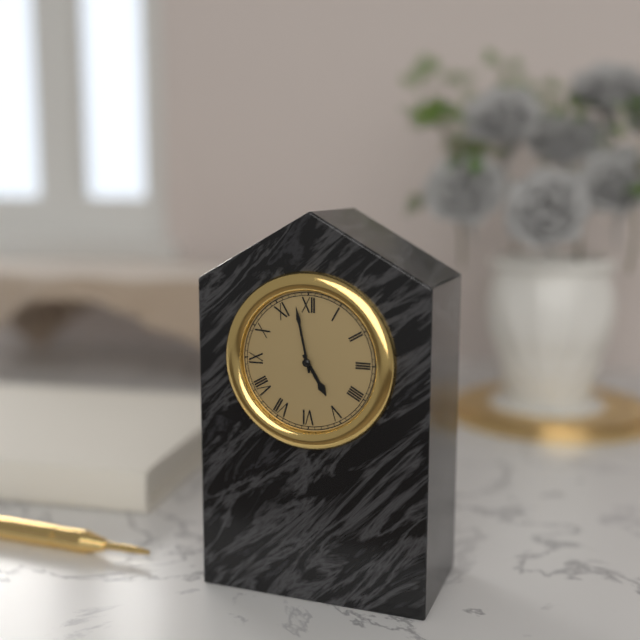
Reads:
4h58
